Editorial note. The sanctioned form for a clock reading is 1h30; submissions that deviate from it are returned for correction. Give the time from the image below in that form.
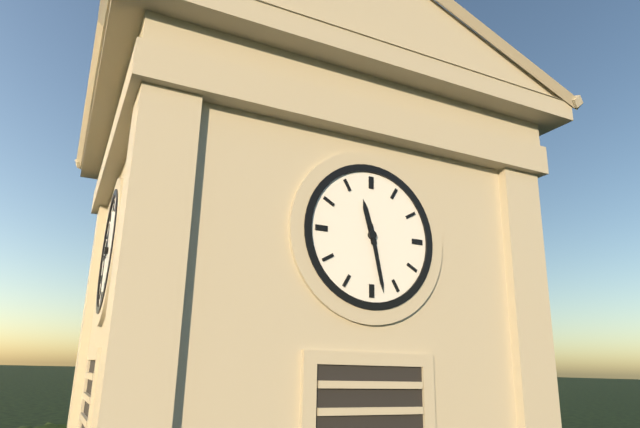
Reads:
11h28
